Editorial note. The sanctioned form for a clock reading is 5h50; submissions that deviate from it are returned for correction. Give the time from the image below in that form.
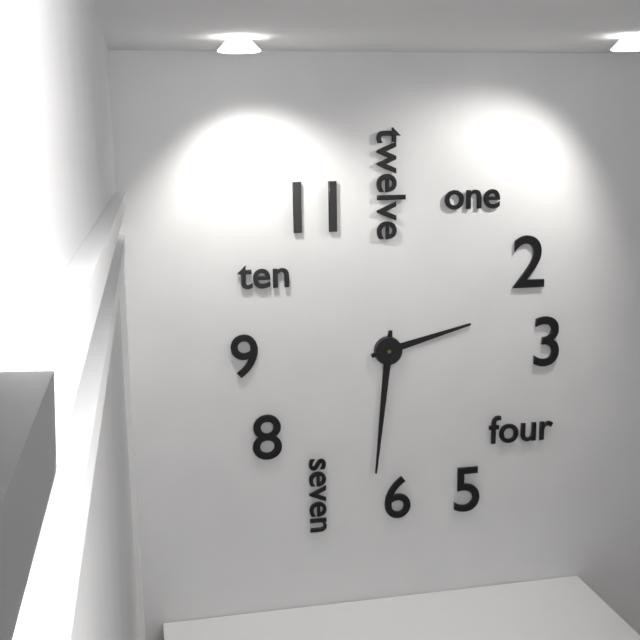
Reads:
2h31
